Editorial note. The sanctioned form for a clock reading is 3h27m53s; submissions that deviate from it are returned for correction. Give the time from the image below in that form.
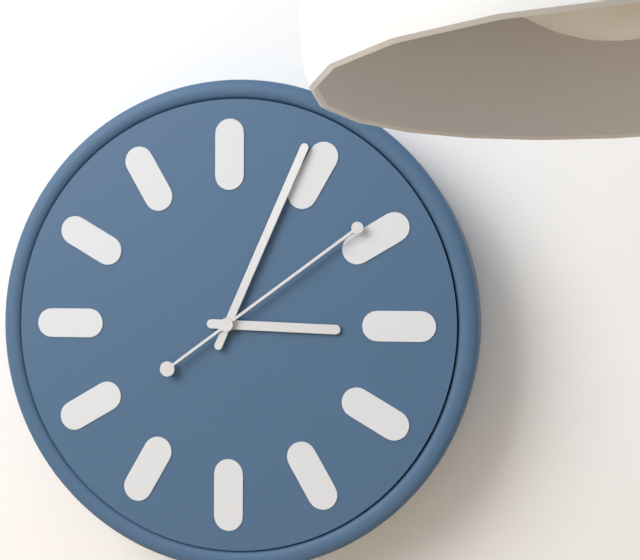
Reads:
3h04m09s
